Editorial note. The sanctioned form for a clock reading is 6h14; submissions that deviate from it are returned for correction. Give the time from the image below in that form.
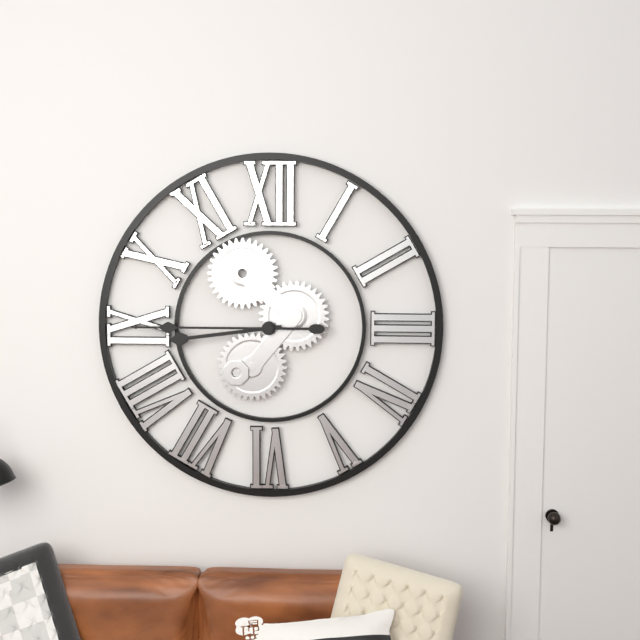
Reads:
8h45
